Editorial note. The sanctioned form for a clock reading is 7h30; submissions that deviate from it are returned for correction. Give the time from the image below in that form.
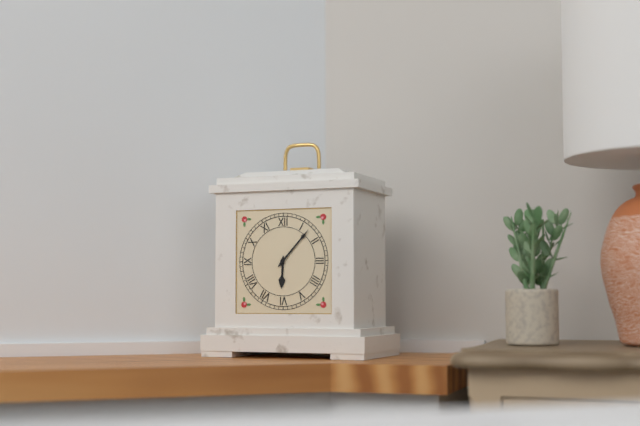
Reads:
6h07
